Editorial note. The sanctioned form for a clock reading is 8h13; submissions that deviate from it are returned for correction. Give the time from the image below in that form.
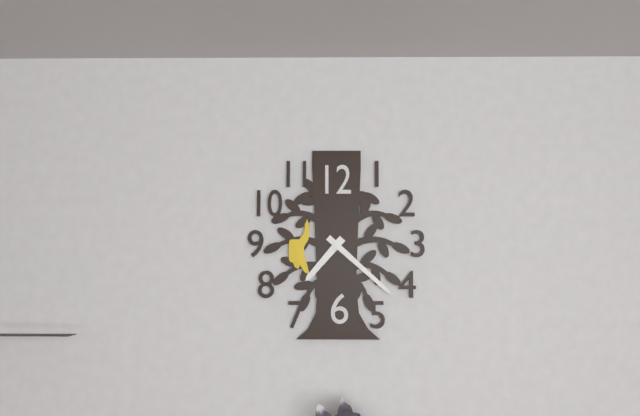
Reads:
7h22
